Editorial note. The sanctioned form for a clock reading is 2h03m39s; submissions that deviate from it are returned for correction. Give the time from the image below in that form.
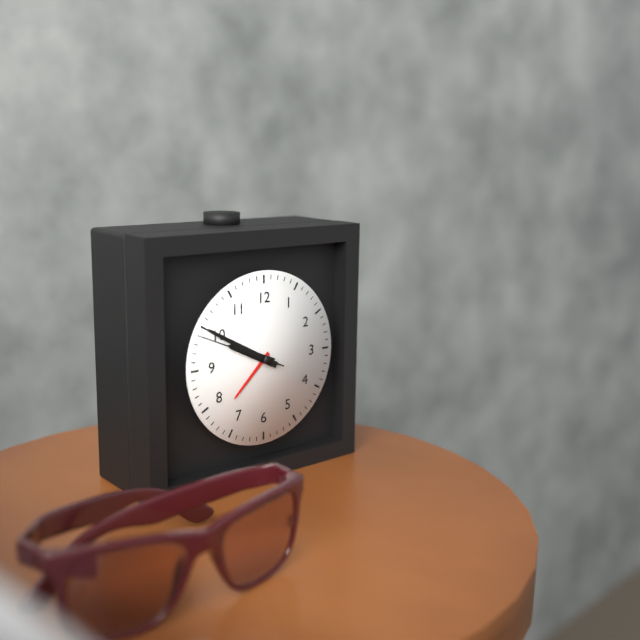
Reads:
9h50m49s
